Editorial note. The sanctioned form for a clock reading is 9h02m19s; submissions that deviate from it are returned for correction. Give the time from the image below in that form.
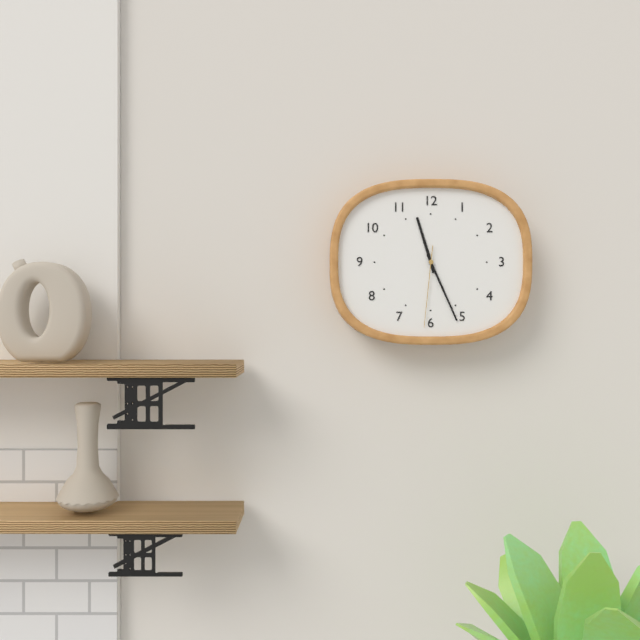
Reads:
11h26m31s
